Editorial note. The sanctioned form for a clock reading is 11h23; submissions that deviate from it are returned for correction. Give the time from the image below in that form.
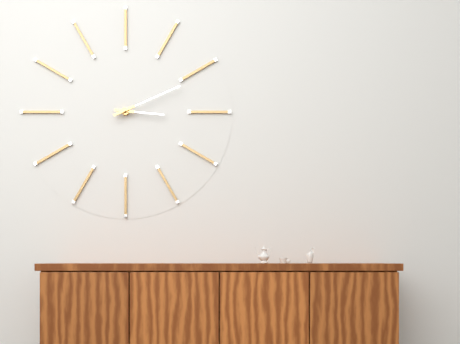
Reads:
3h11
